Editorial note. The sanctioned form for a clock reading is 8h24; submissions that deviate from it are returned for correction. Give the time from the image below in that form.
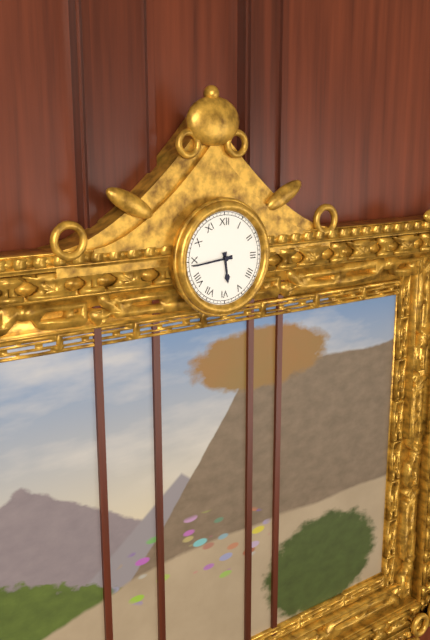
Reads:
5h44
